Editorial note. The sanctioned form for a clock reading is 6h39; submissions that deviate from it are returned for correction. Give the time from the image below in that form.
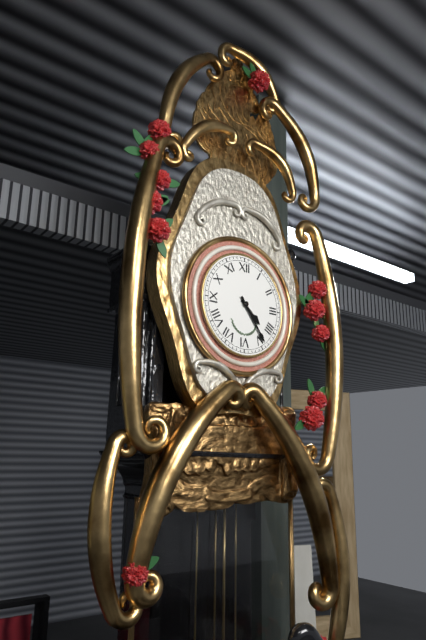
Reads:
4h24
